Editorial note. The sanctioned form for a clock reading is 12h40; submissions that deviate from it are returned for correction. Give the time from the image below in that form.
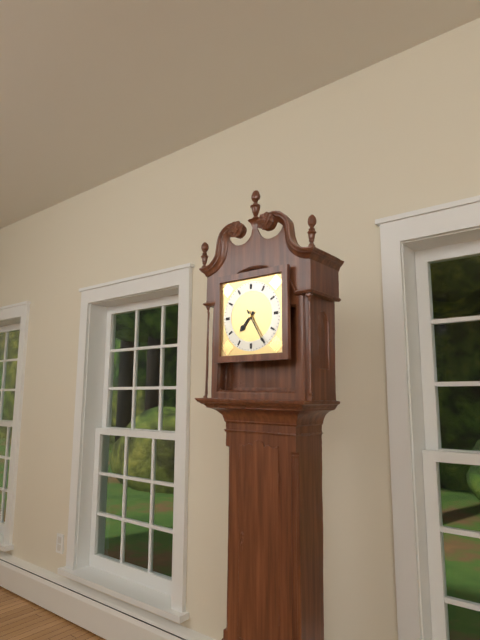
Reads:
7h25
